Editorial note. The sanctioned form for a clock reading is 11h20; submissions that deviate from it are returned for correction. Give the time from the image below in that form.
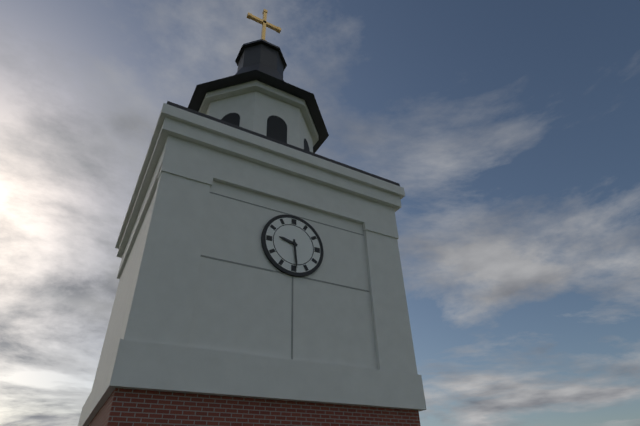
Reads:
9h29
